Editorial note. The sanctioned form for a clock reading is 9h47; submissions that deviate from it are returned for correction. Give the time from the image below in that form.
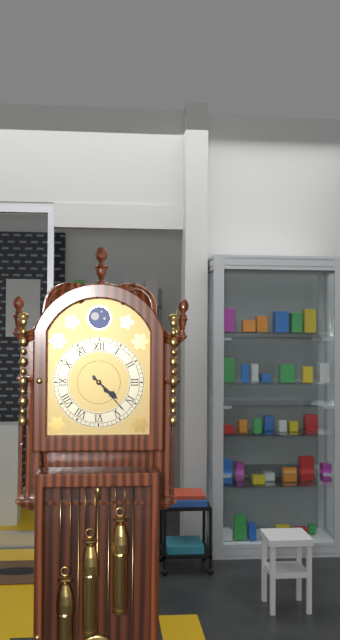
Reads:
4h23
